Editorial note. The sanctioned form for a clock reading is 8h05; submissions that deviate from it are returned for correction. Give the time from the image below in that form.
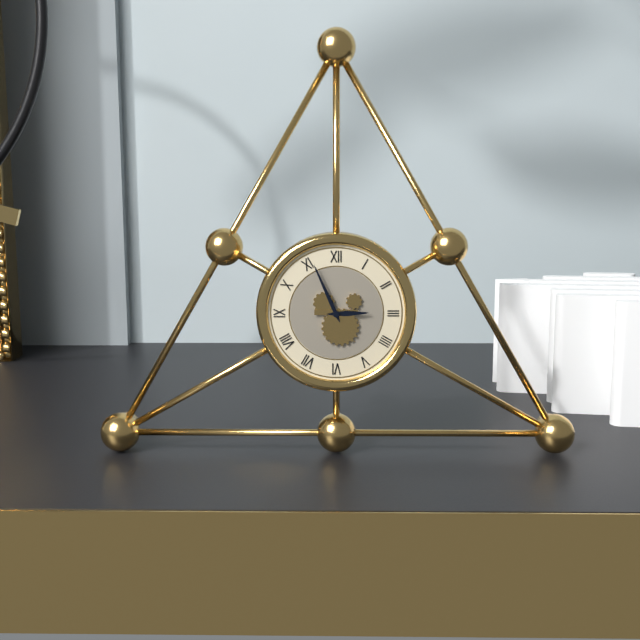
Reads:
2h56
